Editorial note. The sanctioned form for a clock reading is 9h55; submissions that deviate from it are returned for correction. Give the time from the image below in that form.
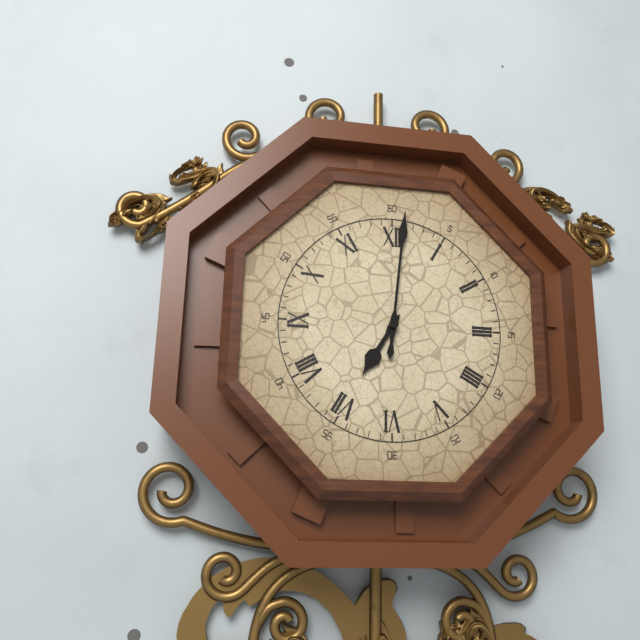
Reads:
7h01
